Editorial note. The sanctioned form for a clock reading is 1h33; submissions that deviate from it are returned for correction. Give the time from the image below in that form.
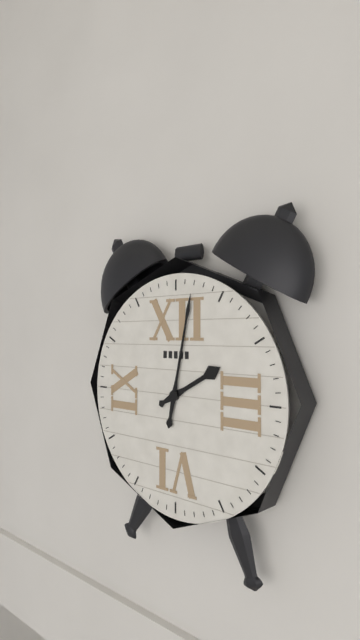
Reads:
2h02
